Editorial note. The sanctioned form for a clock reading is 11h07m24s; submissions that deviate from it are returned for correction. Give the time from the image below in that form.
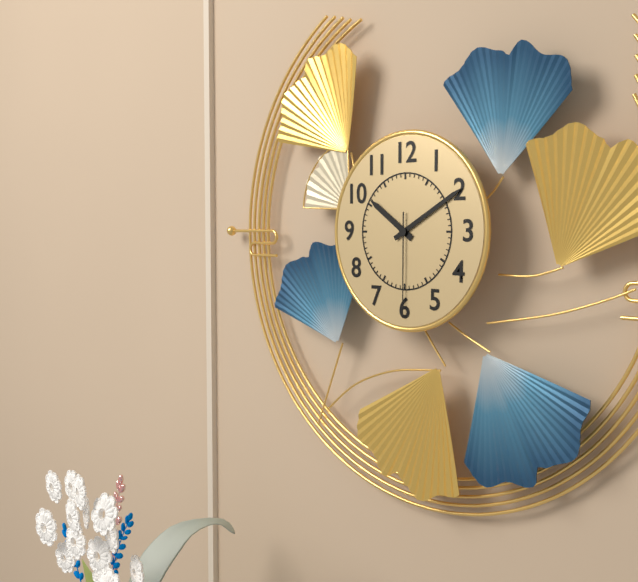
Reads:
10h10m30s
